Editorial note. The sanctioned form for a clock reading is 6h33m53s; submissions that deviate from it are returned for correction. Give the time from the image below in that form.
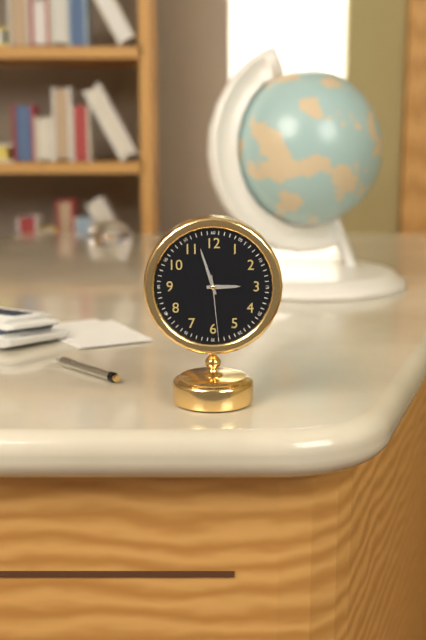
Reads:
2h57m29s
